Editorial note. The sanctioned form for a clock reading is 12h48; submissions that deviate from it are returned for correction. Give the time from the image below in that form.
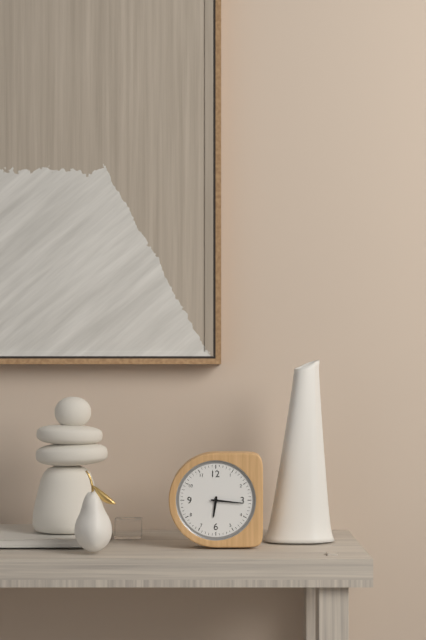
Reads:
6h16
